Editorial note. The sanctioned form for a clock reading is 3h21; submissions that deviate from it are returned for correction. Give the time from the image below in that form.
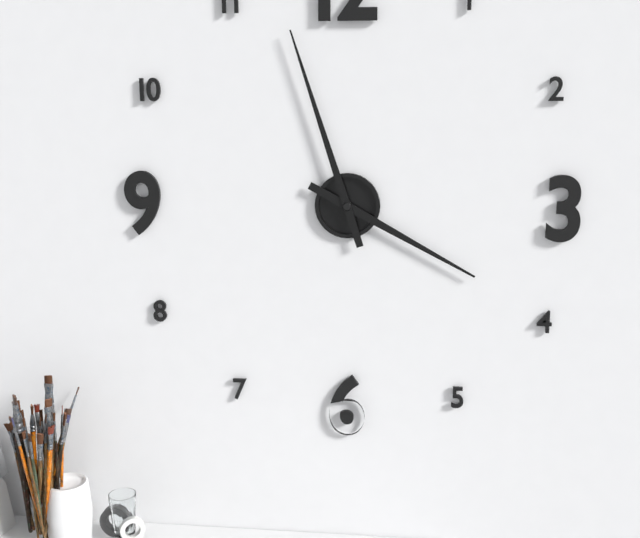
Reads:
3h57
